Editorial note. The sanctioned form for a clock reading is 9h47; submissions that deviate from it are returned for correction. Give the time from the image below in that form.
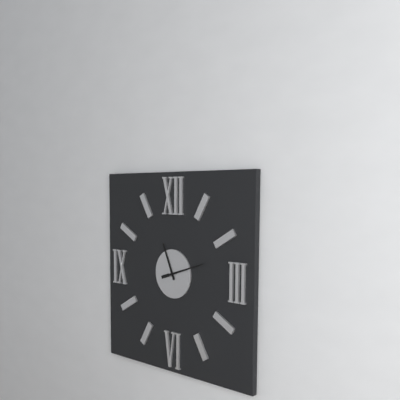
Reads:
11h12
